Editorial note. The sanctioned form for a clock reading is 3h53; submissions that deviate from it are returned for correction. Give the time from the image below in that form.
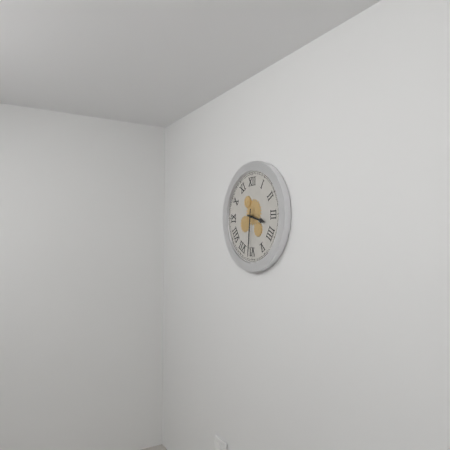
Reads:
3h31
